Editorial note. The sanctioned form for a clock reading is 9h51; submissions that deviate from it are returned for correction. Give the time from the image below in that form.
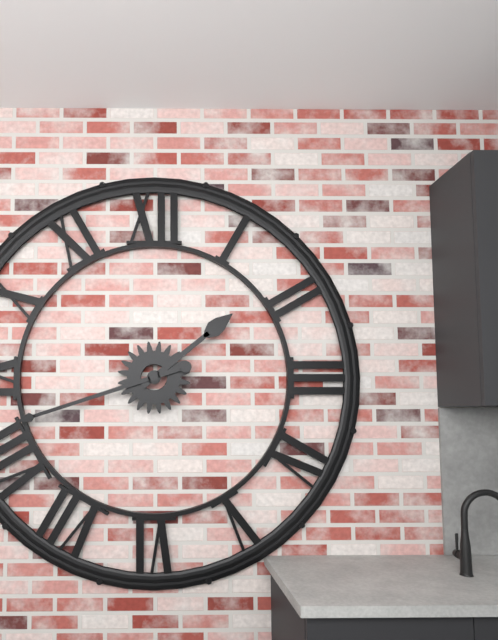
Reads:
1h42
